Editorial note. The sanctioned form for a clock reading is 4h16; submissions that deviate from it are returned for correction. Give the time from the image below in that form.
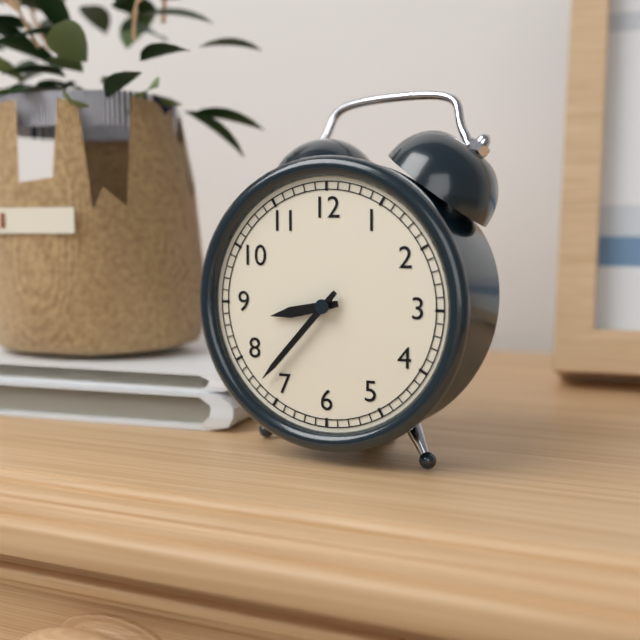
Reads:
8h37
